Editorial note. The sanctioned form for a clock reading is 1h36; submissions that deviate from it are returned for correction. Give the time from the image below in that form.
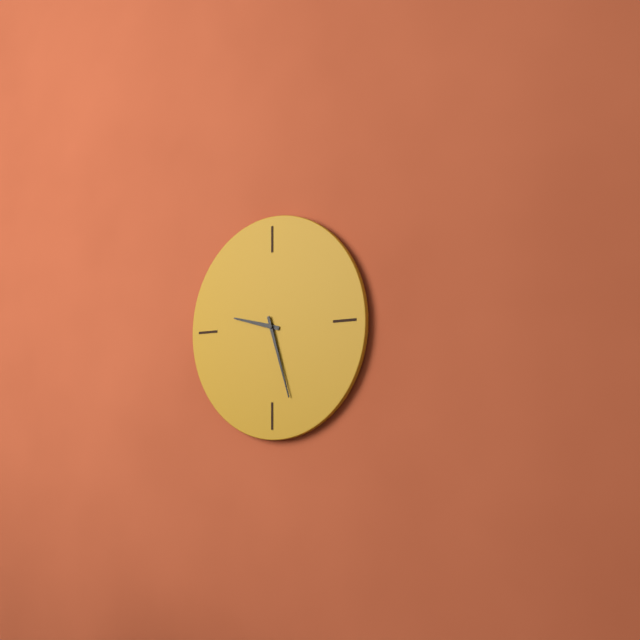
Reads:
9h27
